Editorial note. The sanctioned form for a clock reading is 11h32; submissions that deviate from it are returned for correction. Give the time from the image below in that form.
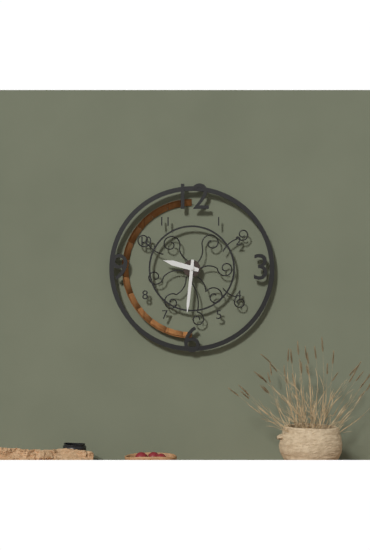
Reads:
9h31
